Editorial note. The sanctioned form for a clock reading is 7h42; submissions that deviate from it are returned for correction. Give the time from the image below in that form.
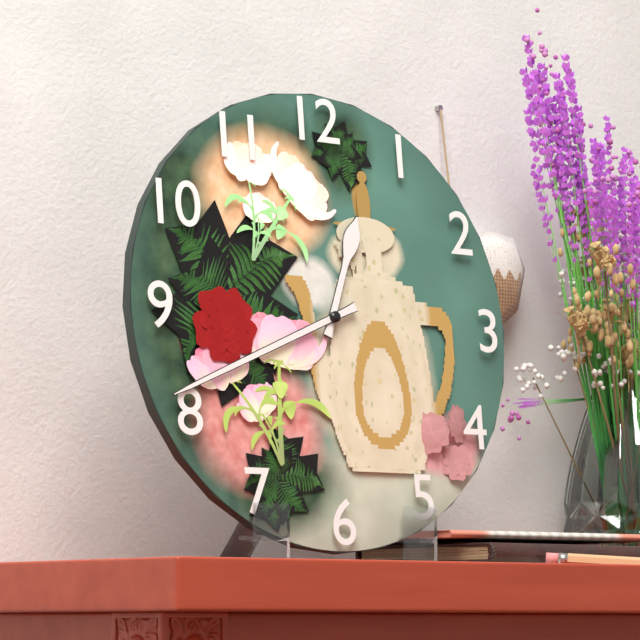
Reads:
12h41
